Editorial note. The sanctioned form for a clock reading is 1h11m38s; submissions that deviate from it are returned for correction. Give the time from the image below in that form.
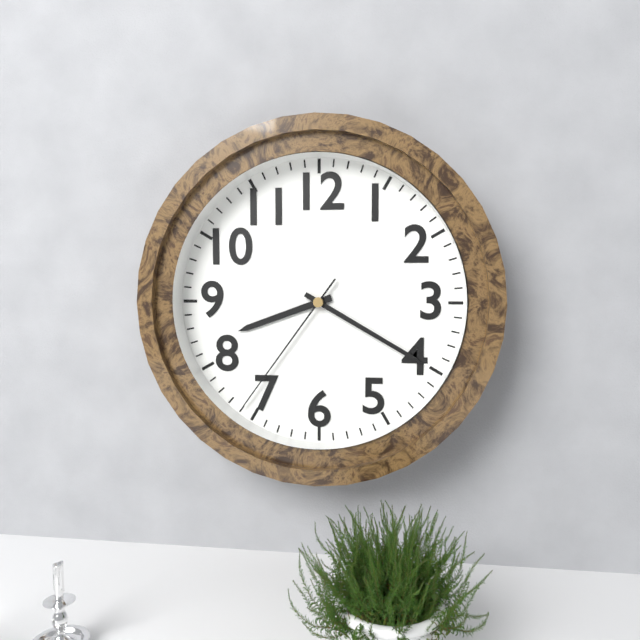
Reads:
8h20m36s
